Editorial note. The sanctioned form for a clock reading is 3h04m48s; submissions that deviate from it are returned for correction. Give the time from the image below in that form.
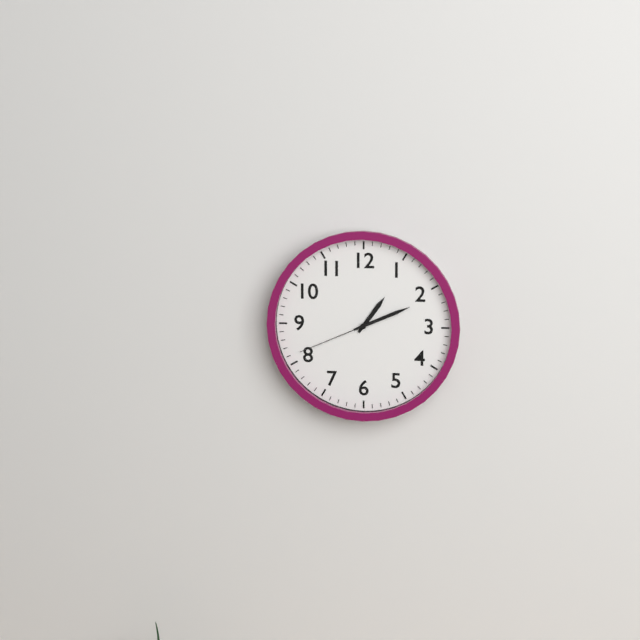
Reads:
1h11m41s
